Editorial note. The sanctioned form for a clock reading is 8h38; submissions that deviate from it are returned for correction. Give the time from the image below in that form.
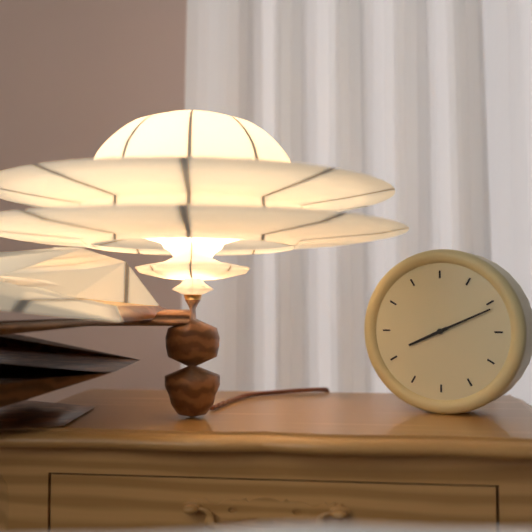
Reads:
8h11
